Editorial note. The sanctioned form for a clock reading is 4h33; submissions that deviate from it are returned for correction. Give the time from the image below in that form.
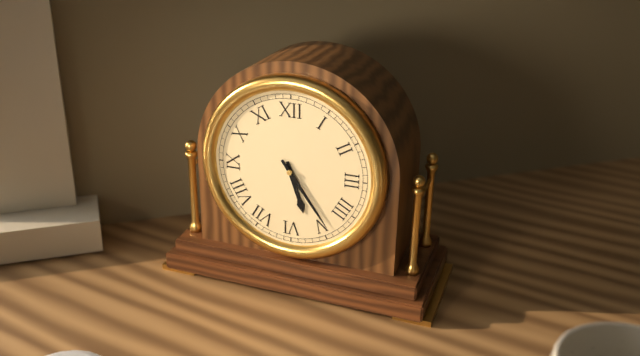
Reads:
5h24
